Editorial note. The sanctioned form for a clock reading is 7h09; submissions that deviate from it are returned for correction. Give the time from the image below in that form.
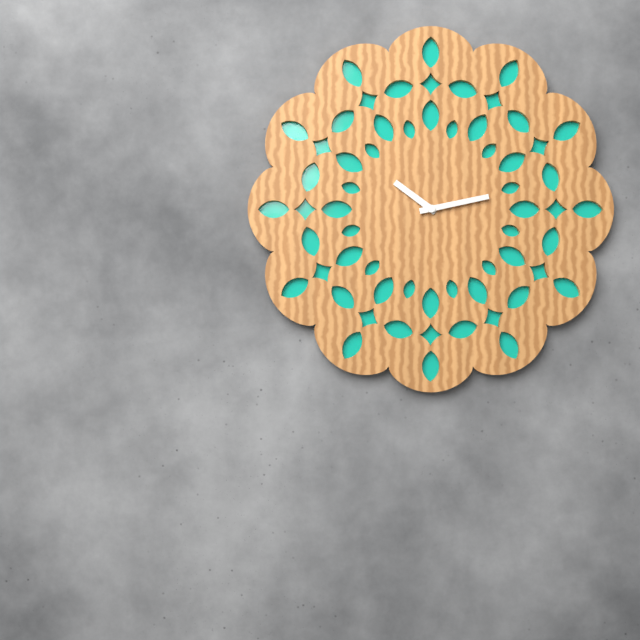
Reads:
10h13
